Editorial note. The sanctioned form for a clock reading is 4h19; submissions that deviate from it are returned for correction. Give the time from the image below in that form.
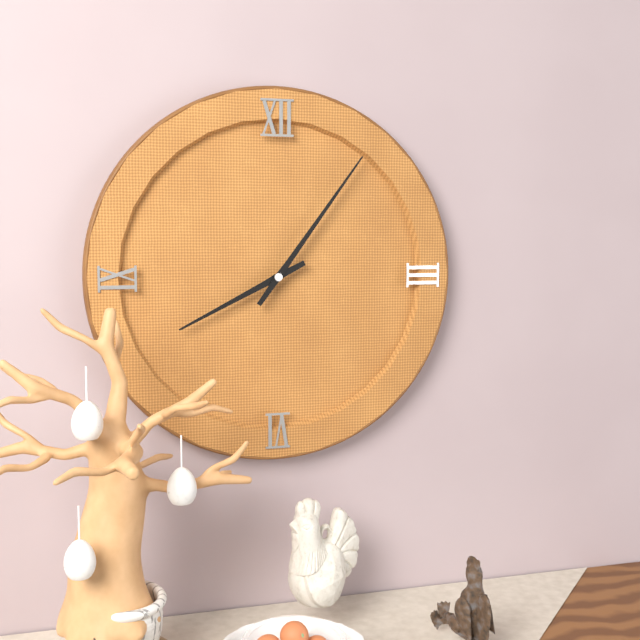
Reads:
8h06
